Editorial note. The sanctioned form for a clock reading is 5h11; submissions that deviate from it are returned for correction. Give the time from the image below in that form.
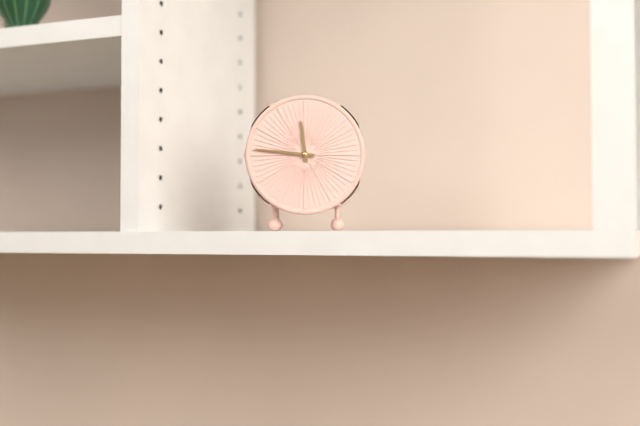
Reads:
11h46
